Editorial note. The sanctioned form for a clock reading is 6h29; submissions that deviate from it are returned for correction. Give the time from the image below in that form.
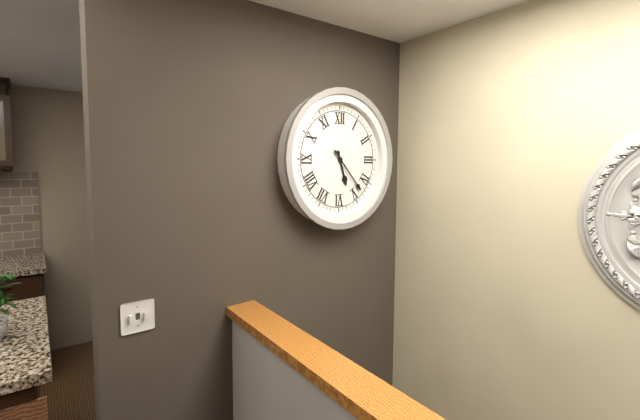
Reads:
5h23
